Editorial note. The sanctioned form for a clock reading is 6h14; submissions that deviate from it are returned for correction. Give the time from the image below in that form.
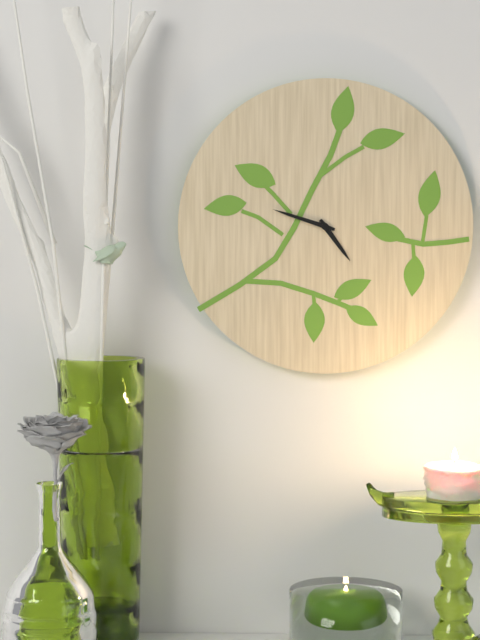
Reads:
4h48
